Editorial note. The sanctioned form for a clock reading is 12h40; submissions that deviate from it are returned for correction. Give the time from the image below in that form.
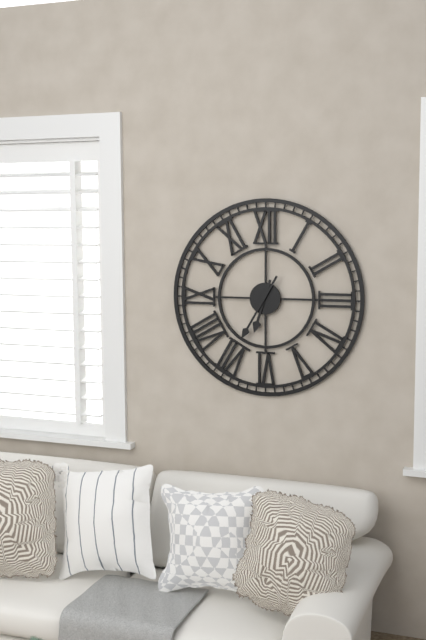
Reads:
6h35
